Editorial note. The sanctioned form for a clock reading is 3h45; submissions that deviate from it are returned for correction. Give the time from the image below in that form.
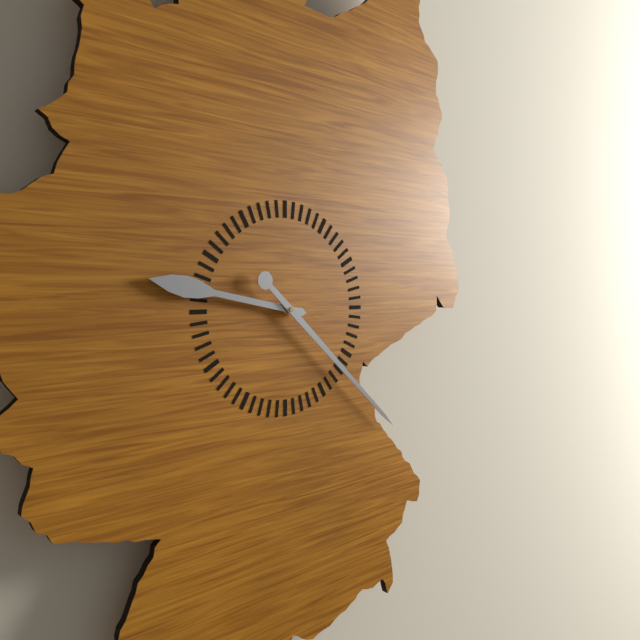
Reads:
9h22
